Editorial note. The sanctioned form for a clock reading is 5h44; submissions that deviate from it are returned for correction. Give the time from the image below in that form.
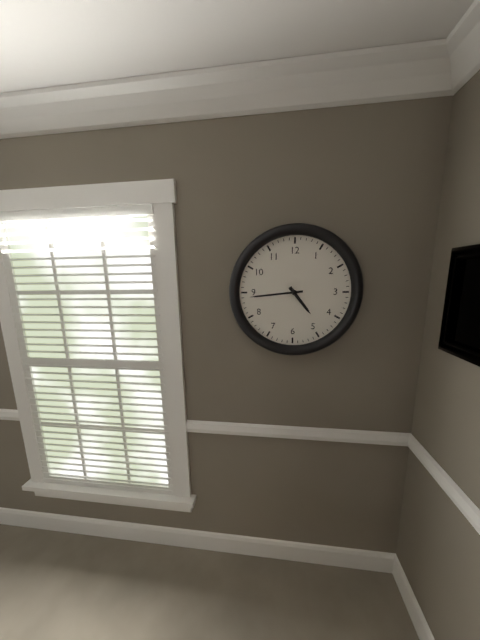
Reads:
4h44
